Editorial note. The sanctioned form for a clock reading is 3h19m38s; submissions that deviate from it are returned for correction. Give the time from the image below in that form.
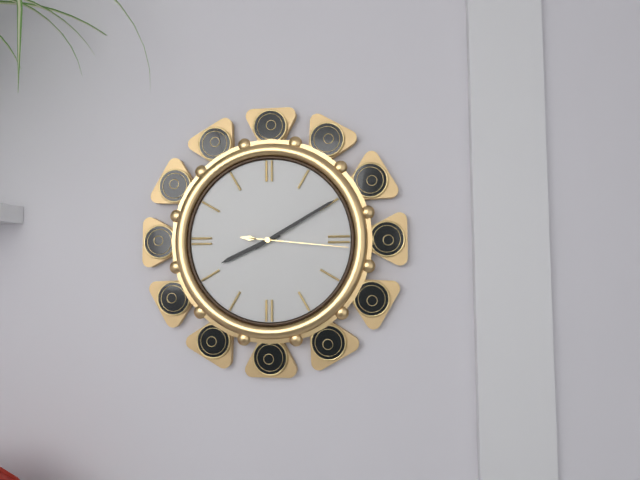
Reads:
8h10m16s
